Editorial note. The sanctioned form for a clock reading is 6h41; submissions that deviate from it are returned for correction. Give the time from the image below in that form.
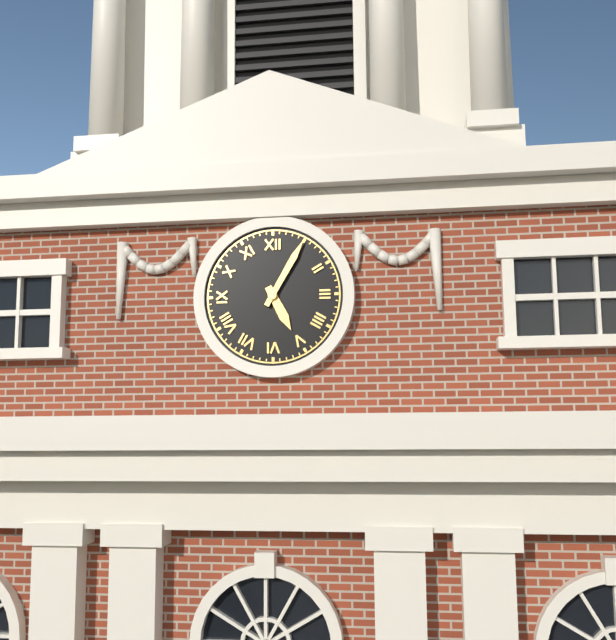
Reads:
5h05
